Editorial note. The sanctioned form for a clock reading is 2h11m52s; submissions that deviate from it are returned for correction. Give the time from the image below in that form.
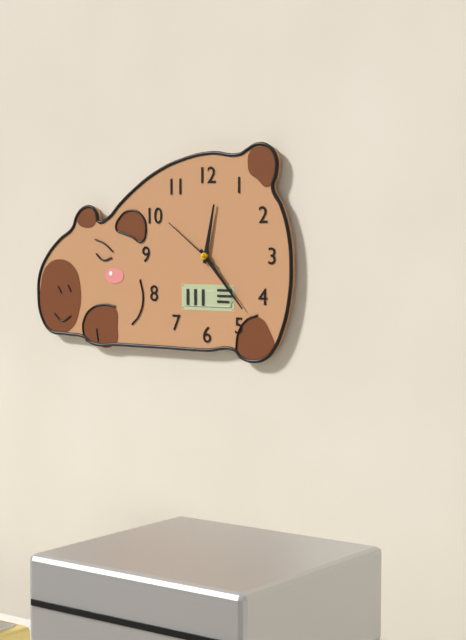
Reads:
12h23m51s
